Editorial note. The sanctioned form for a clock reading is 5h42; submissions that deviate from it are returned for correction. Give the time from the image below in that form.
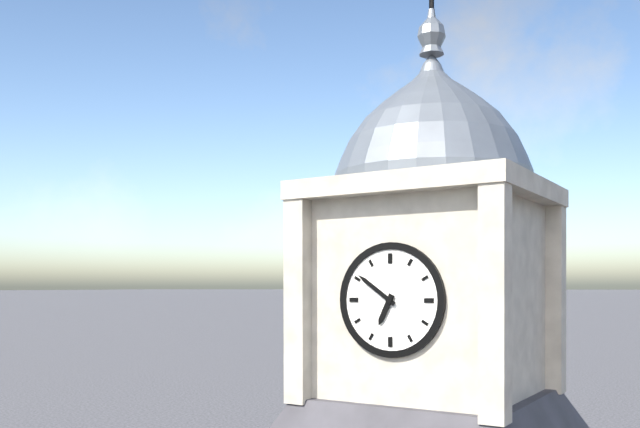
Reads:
6h51
